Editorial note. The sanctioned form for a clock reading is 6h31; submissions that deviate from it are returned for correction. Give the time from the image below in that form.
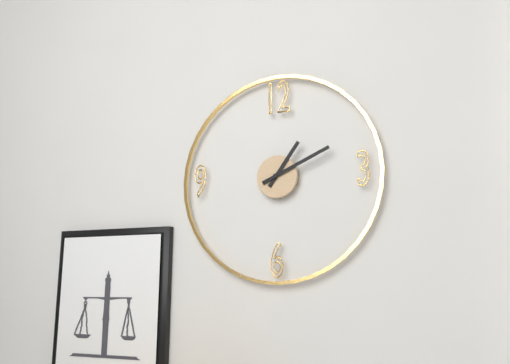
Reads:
1h11
